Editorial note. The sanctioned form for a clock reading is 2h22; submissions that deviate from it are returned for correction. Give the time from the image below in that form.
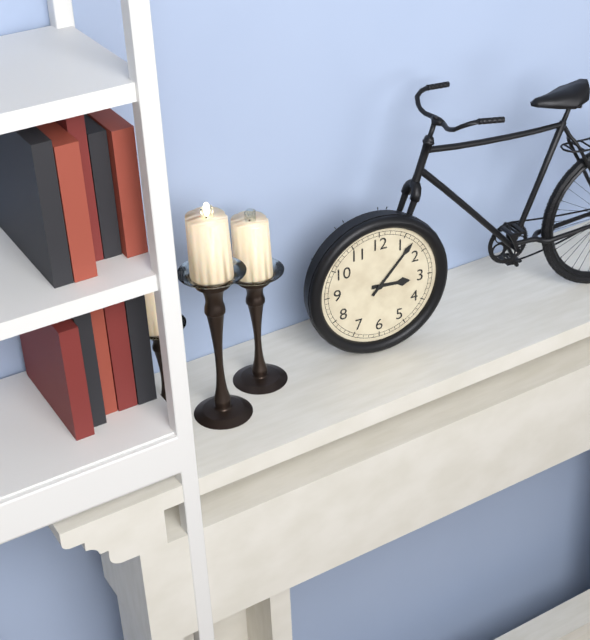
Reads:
3h07
